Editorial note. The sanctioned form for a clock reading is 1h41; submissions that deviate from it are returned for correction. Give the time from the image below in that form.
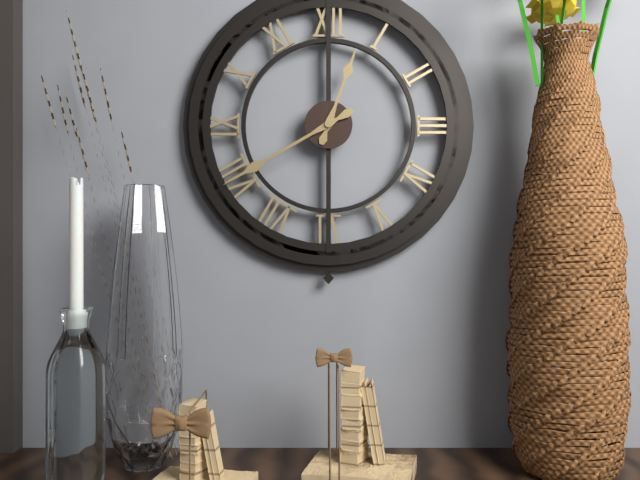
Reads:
12h40
